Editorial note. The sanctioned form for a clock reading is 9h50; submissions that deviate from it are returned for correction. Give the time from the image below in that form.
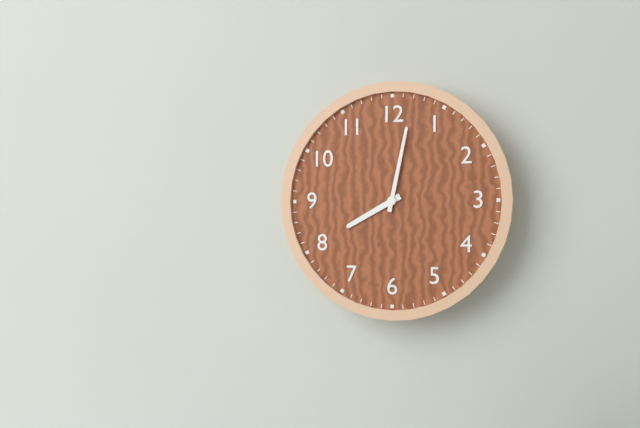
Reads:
8h02
